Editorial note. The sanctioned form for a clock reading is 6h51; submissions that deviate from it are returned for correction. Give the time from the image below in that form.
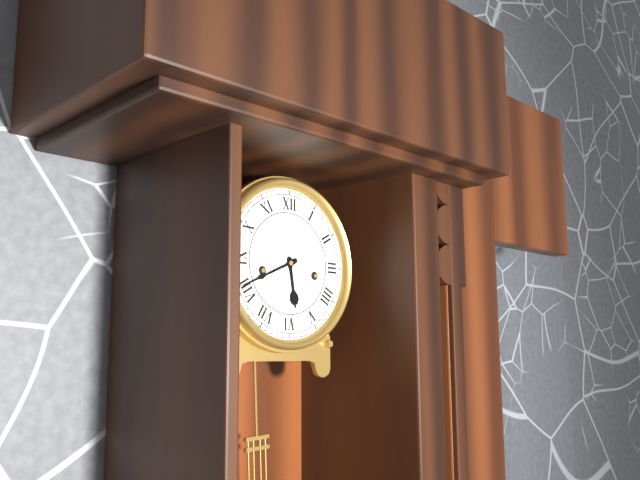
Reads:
5h41
